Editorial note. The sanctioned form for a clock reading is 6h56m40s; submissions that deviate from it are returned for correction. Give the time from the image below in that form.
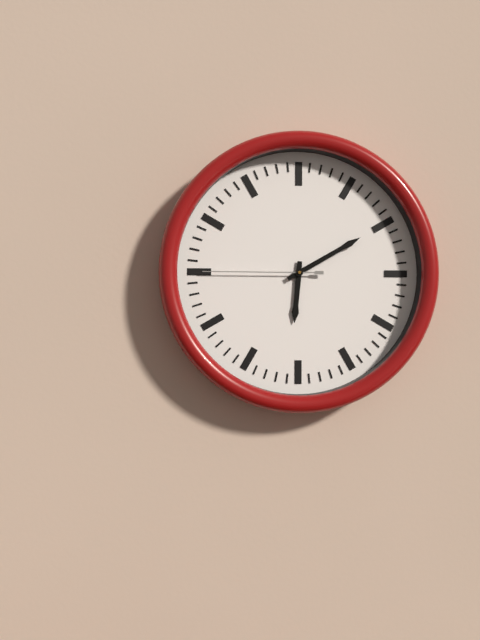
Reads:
6h10m45s
